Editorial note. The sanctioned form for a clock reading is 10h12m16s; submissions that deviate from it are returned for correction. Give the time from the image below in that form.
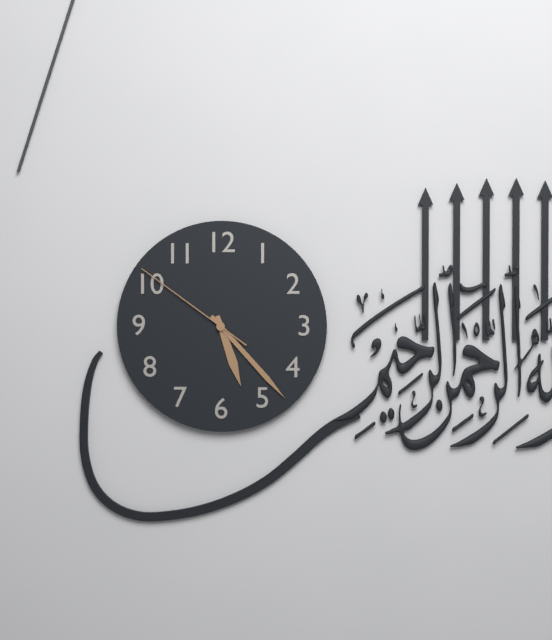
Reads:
5h23m51s
